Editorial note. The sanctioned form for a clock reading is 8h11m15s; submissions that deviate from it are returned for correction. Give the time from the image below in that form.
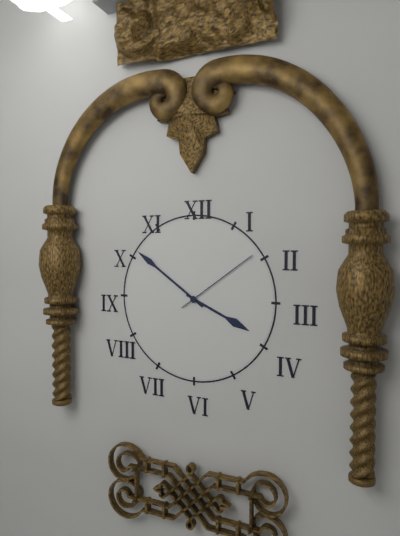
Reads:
3h51m09s
